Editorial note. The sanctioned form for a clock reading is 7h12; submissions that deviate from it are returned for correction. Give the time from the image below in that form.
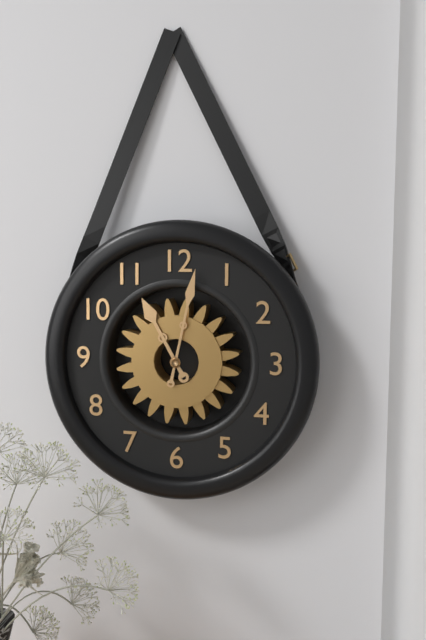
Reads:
11h02
